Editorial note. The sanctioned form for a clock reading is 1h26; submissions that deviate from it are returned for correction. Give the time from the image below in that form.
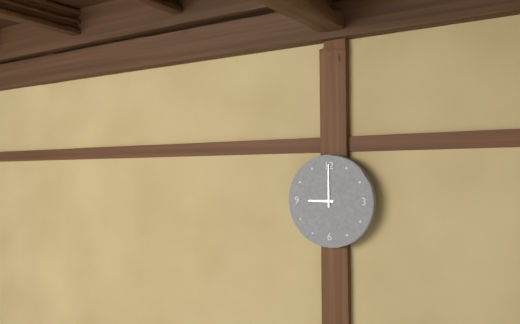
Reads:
9h00
